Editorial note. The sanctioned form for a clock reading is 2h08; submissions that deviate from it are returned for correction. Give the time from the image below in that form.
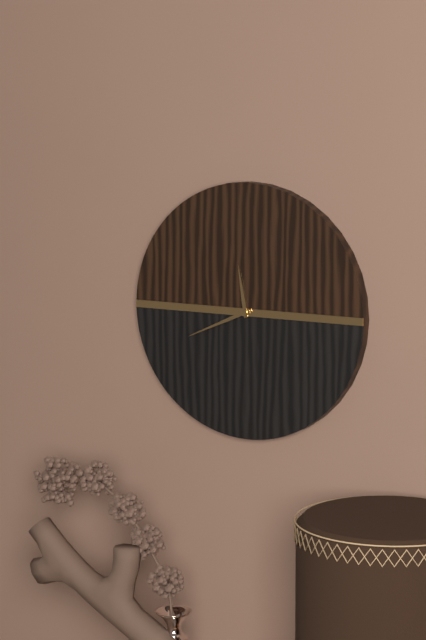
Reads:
11h41
